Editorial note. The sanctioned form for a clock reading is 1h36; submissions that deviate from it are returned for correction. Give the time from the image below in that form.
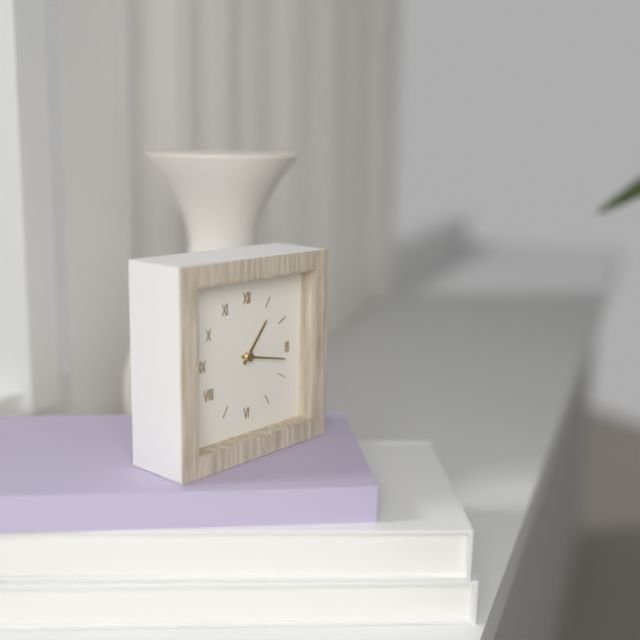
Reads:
1h17
